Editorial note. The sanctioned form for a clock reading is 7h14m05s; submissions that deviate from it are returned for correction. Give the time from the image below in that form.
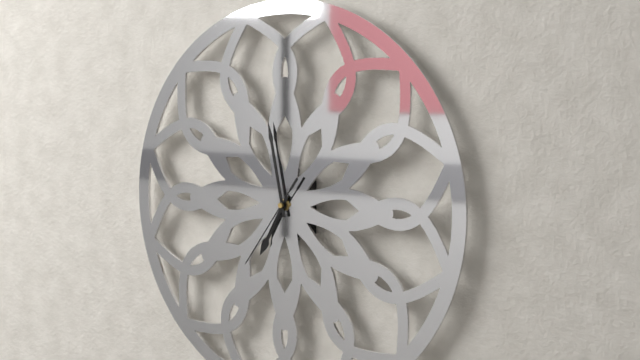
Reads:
6h58m36s
